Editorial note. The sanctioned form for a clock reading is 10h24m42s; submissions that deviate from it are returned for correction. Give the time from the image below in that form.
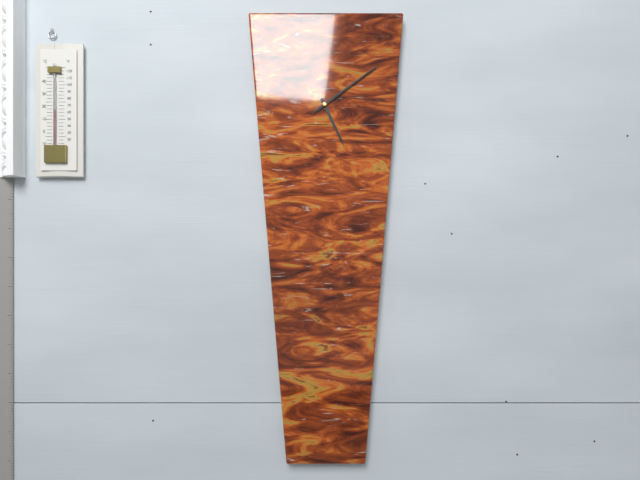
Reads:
5h09m09s
